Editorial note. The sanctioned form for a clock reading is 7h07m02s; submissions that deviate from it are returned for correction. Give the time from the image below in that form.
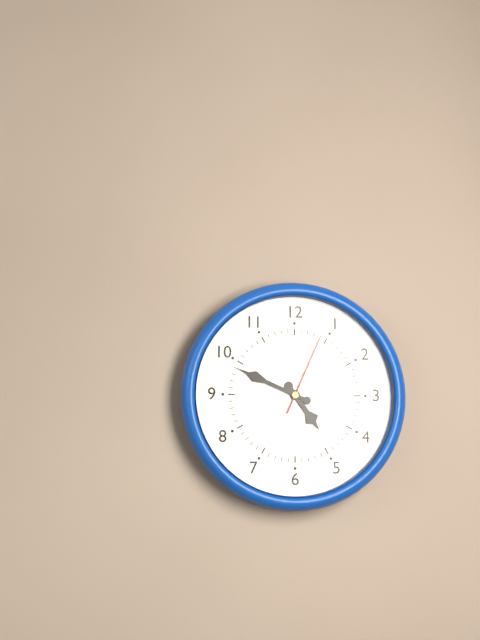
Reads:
4h49m04s
